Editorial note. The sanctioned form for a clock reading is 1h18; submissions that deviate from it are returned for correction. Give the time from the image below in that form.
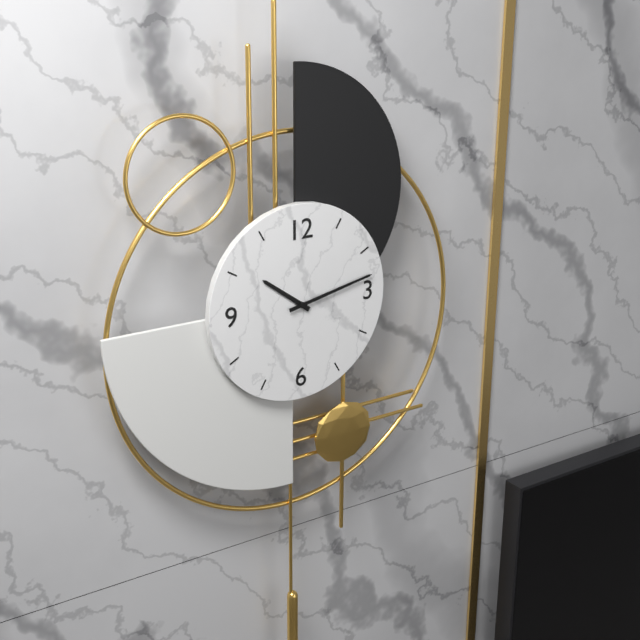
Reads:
10h13
